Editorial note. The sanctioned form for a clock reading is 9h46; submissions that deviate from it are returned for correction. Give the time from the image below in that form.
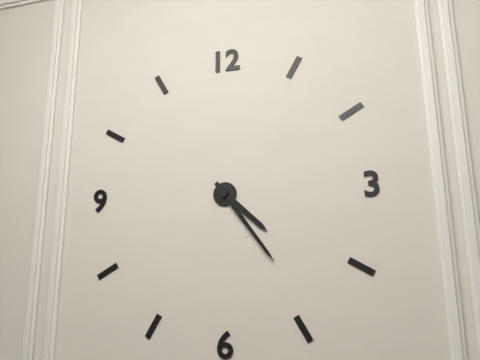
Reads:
4h24
